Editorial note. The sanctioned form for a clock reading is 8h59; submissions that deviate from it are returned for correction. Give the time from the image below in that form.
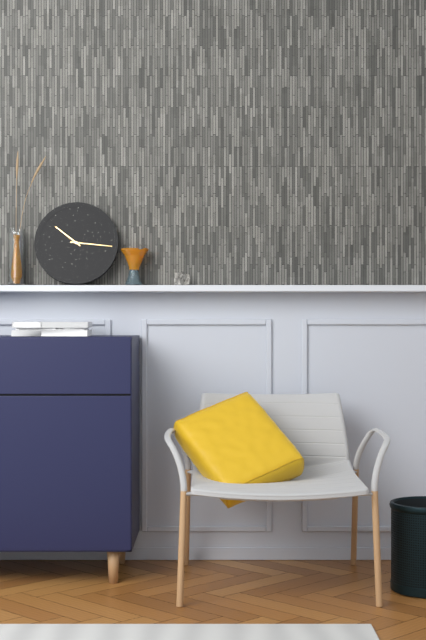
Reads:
10h16
